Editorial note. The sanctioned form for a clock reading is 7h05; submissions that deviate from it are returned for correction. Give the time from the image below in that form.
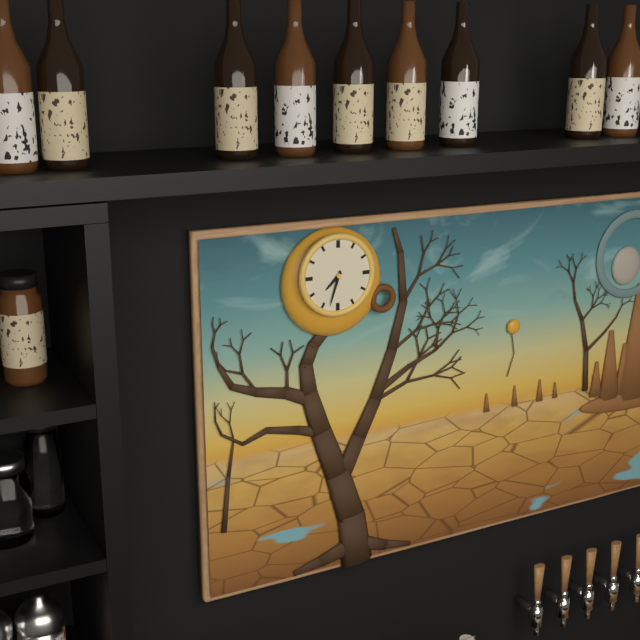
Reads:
7h33
